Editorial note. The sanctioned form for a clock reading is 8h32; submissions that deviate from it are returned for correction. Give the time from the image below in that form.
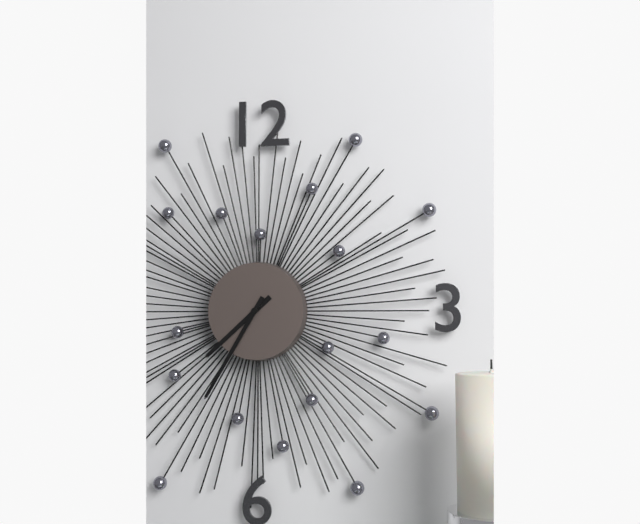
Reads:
7h35
